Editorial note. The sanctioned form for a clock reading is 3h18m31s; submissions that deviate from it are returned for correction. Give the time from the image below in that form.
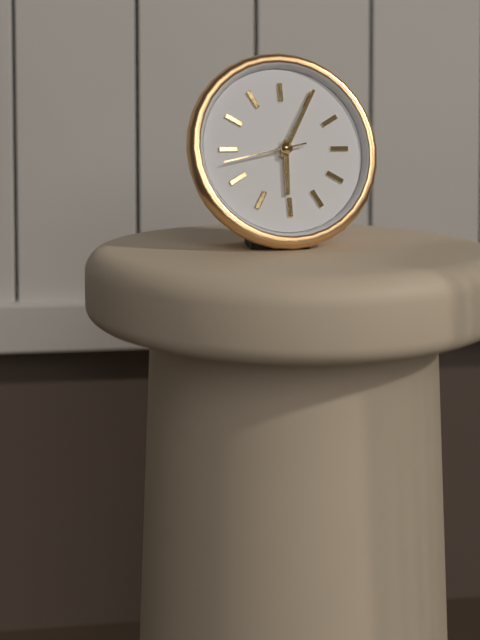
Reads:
6h05m43s
